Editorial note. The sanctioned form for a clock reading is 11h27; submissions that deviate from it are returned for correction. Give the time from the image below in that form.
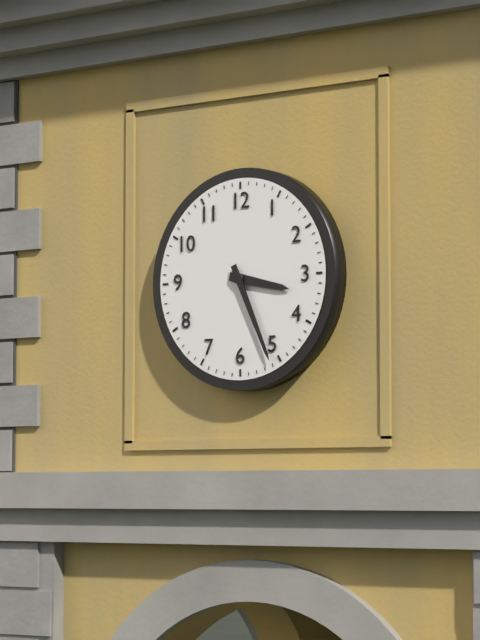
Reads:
3h26
